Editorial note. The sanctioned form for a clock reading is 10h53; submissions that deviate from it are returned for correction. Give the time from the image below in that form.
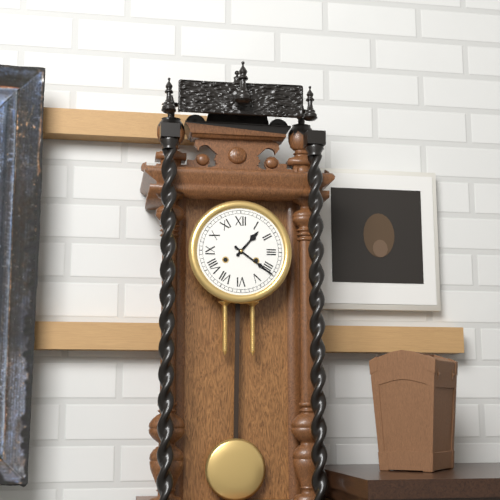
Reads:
1h21
